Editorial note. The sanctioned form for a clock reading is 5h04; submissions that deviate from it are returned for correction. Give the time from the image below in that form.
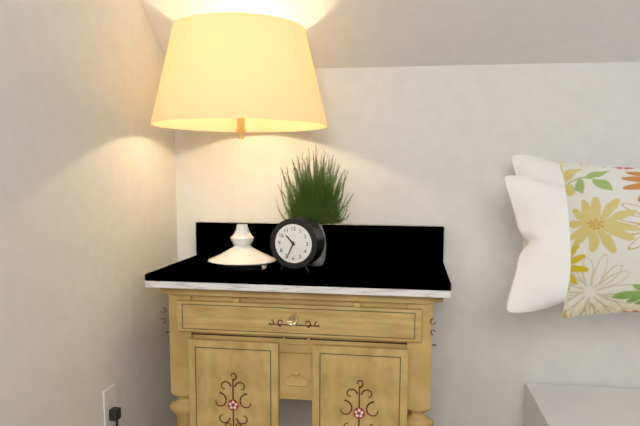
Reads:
10h34
